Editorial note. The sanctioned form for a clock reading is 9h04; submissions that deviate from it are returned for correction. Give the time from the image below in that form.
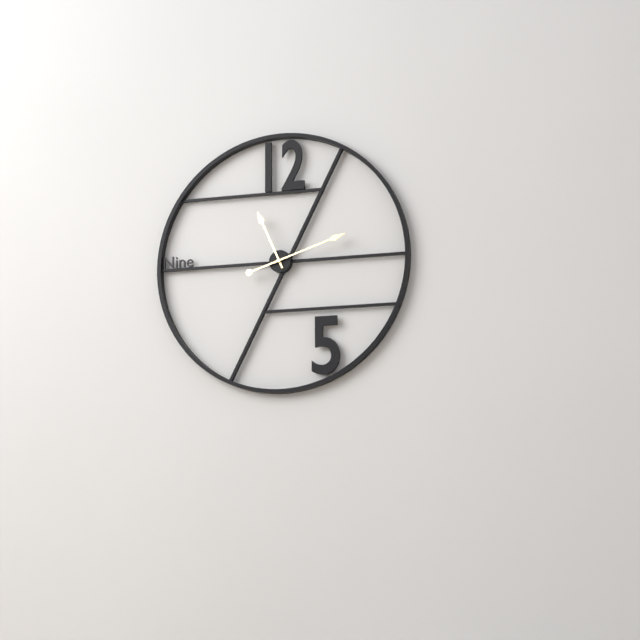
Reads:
11h12
